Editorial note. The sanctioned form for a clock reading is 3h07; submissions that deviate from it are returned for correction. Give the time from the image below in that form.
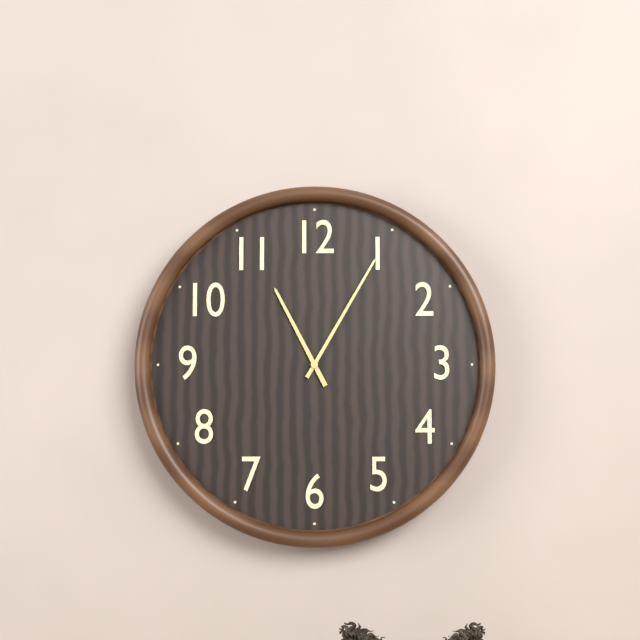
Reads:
11h05
